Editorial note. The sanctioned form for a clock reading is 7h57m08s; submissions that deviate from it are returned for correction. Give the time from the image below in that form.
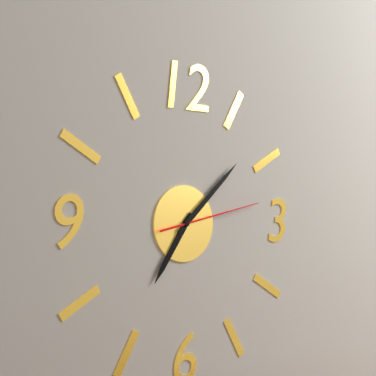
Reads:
7h08m13s
